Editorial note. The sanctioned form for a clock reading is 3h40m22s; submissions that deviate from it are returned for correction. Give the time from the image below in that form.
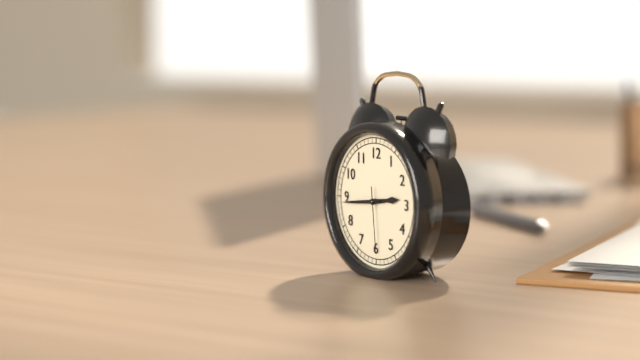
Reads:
2h44m29s
